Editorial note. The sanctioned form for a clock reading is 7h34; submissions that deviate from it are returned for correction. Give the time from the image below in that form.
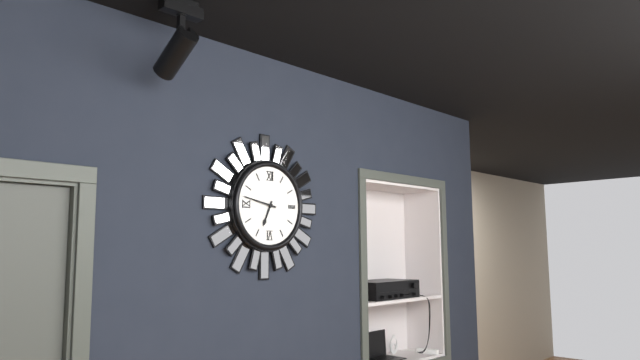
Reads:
6h47
